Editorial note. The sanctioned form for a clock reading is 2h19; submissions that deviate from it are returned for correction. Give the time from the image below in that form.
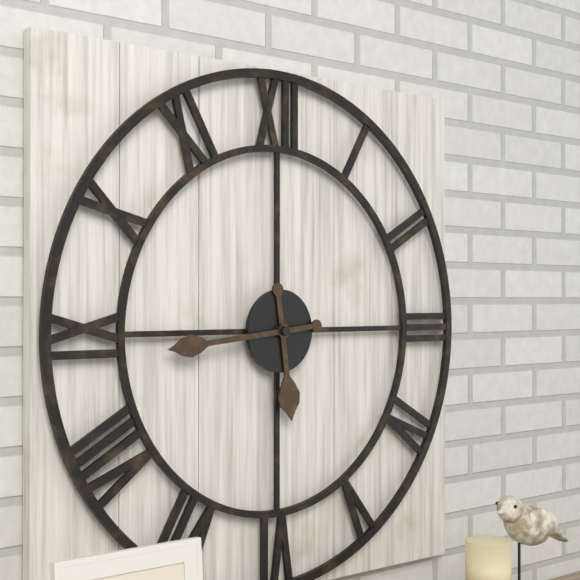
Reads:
5h44
